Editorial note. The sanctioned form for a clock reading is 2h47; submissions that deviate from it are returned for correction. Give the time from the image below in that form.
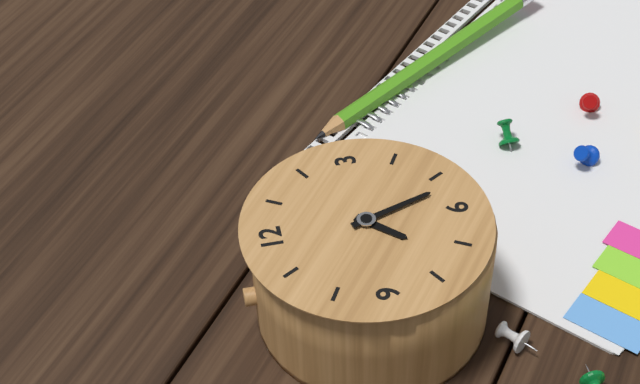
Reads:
7h27
